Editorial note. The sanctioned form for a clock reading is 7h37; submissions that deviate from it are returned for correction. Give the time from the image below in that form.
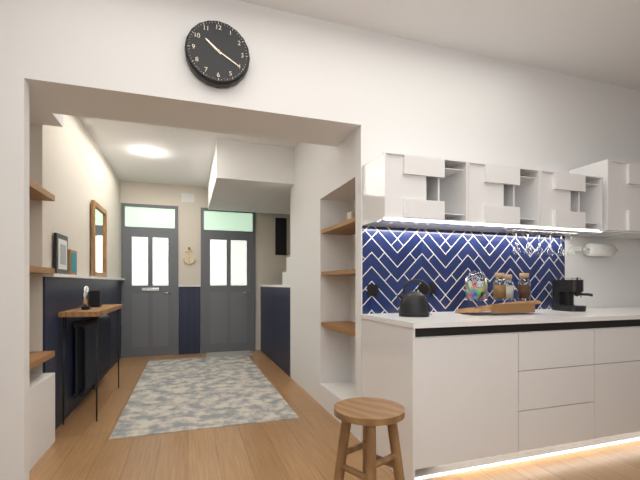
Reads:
10h20
